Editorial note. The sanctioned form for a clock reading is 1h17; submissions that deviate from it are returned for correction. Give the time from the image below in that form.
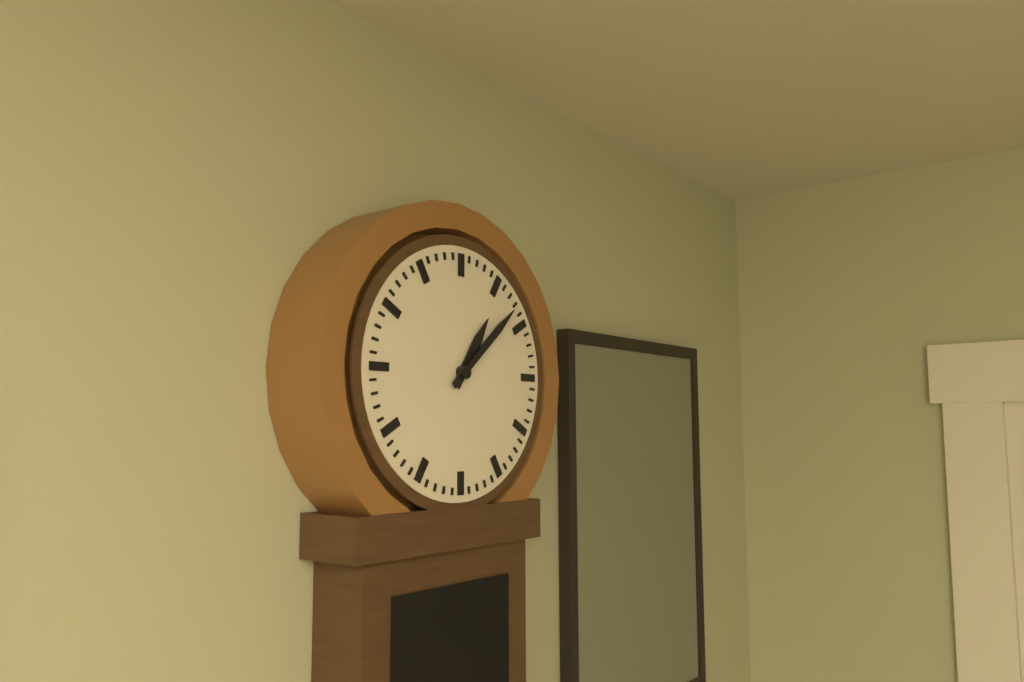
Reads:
1h08
